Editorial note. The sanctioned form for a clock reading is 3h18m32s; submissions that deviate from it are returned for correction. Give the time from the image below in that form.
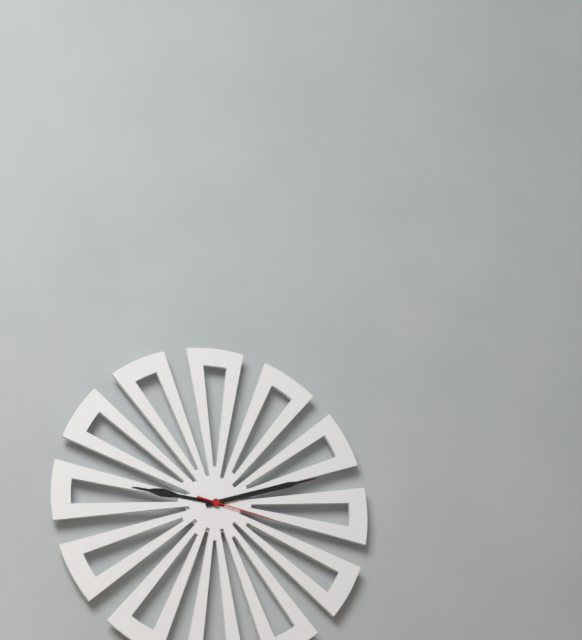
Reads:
9h12m17s
